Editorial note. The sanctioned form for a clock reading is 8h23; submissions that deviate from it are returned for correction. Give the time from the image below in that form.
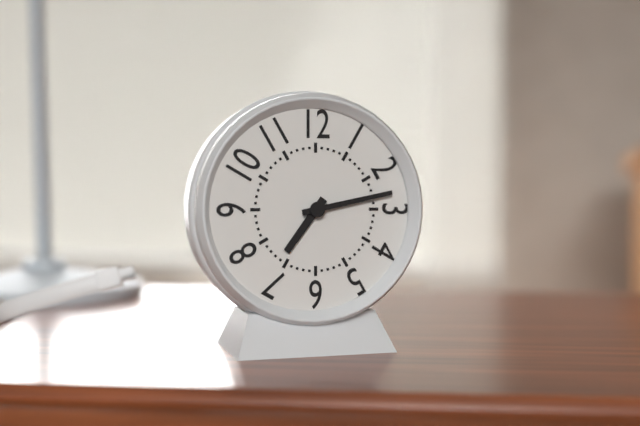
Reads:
7h13
